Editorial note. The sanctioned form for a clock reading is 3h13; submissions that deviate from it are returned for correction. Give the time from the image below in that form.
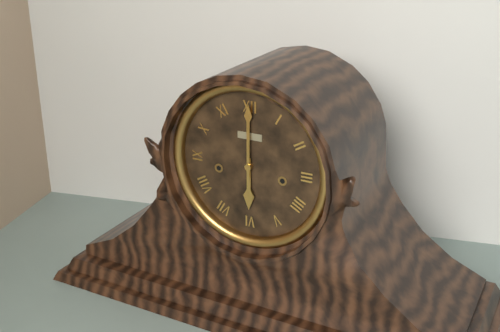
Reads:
6h00
